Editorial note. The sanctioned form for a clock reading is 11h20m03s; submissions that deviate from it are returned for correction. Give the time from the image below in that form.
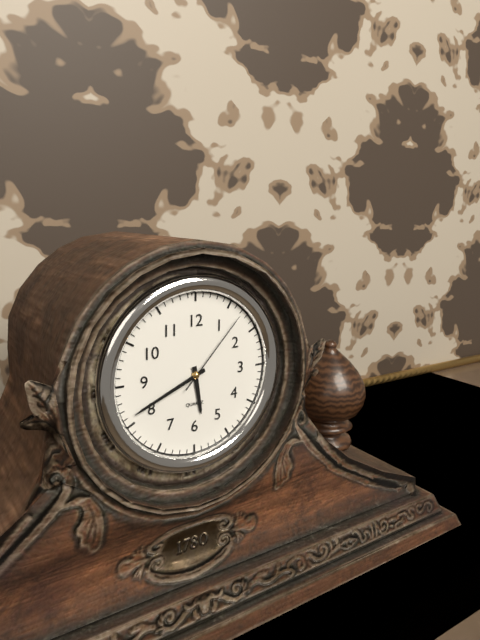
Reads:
5h41m07s
